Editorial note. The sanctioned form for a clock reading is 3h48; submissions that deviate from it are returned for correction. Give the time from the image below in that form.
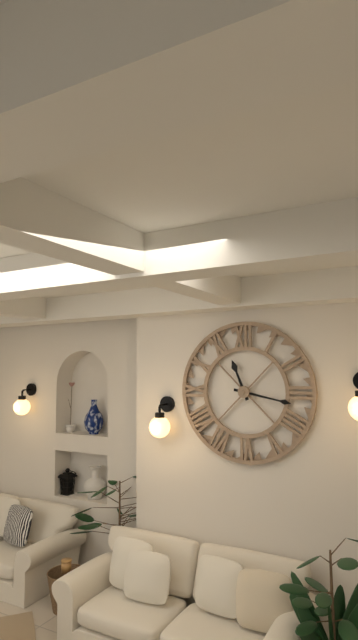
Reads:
11h17
